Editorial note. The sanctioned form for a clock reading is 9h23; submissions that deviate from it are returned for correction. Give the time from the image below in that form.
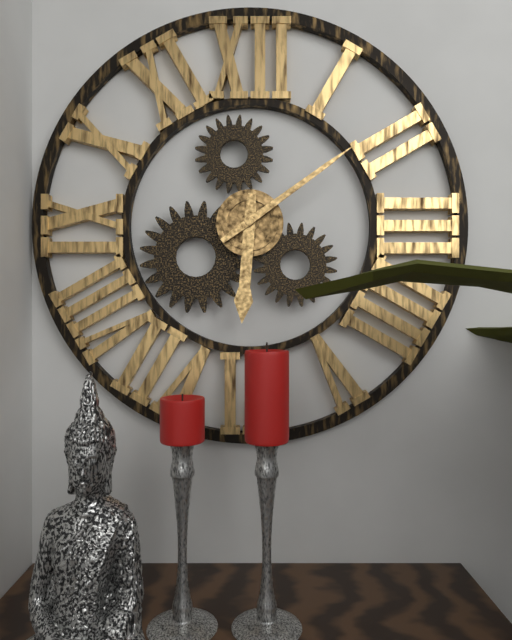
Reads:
6h09
